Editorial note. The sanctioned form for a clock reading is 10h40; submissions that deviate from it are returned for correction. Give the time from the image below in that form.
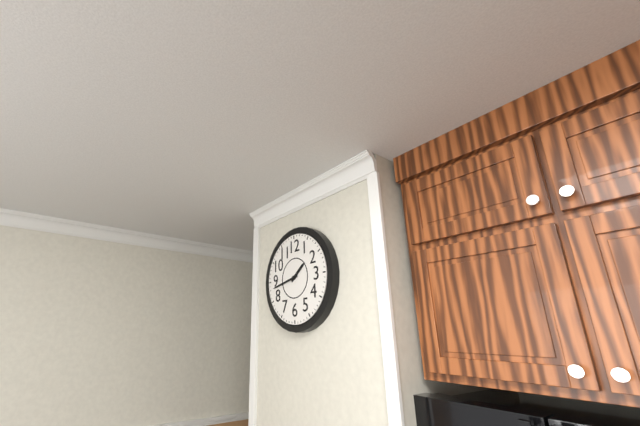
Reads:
1h43
